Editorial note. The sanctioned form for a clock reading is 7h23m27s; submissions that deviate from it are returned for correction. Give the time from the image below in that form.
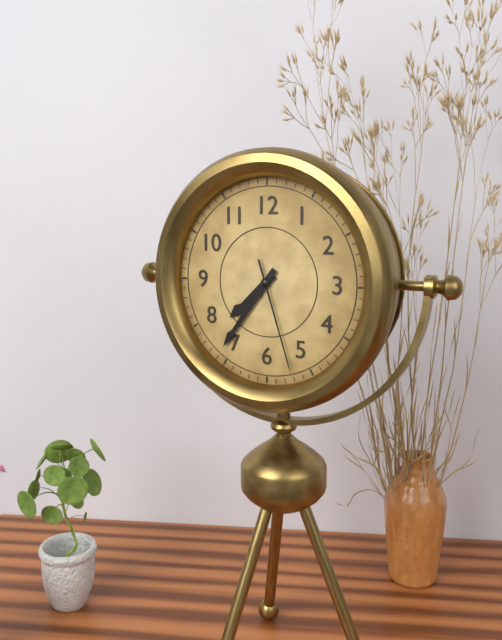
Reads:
7h36m27s
